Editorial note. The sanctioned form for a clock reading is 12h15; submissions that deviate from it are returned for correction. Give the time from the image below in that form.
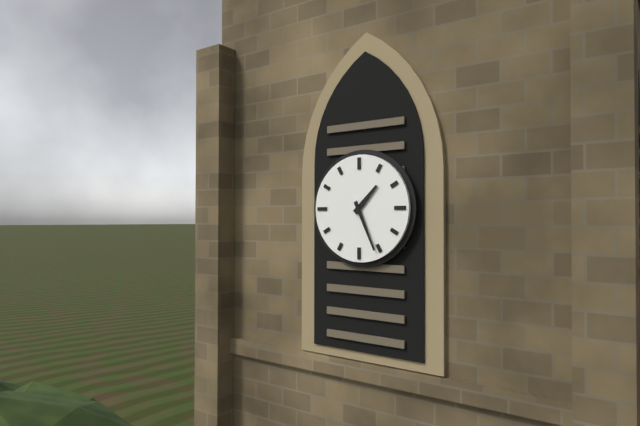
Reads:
1h26
